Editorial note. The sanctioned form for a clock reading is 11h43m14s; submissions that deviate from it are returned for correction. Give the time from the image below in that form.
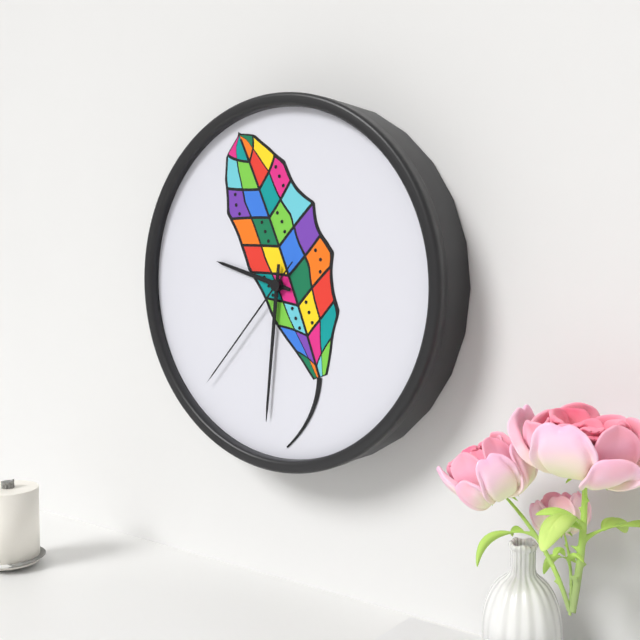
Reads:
9h31m37s
